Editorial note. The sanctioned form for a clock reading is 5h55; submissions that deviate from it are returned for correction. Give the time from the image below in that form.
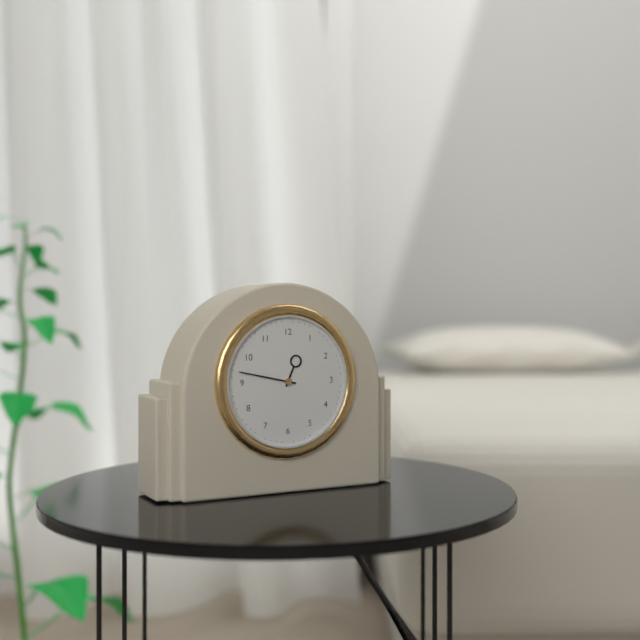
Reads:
12h47
